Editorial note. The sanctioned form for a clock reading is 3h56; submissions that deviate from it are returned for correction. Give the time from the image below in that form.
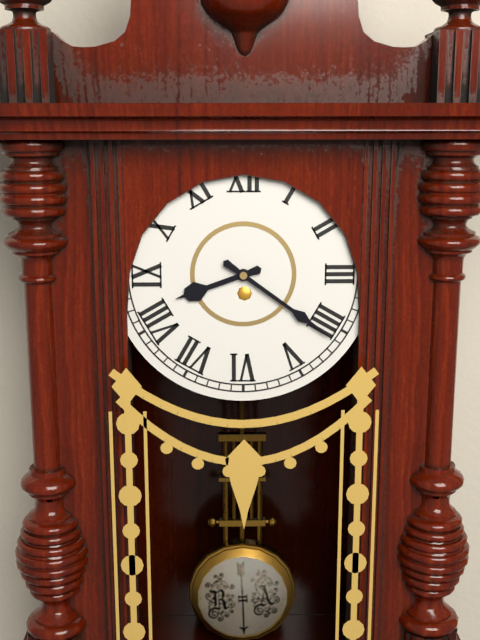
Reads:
8h21
